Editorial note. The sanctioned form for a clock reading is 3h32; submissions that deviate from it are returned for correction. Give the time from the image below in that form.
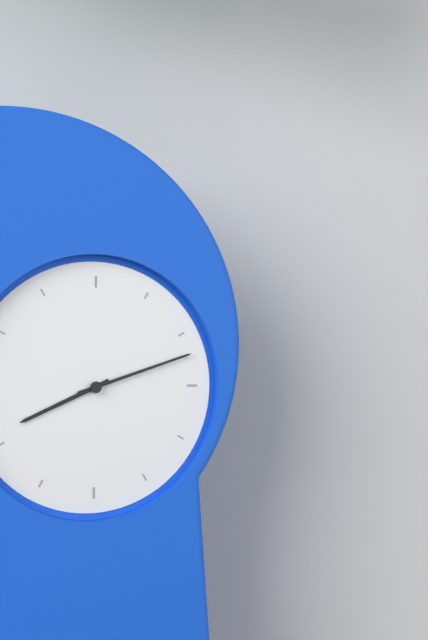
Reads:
8h12
